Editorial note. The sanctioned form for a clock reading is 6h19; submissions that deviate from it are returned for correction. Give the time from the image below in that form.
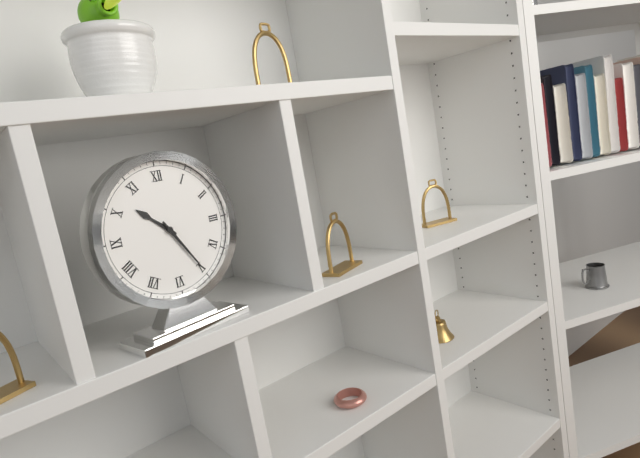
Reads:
10h25
